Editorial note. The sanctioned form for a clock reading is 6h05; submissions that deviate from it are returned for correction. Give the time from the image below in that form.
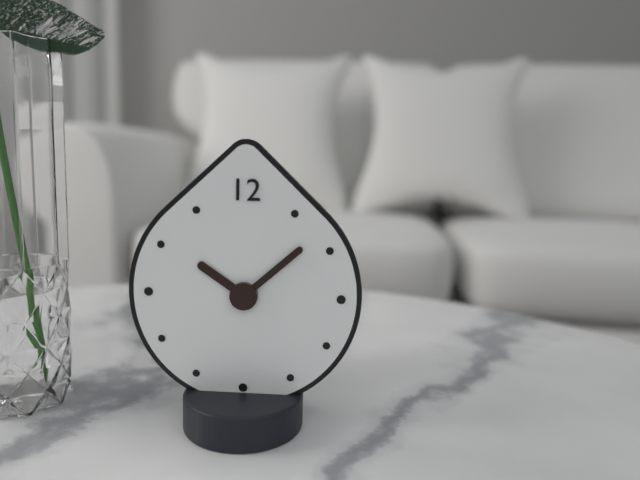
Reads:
10h08
